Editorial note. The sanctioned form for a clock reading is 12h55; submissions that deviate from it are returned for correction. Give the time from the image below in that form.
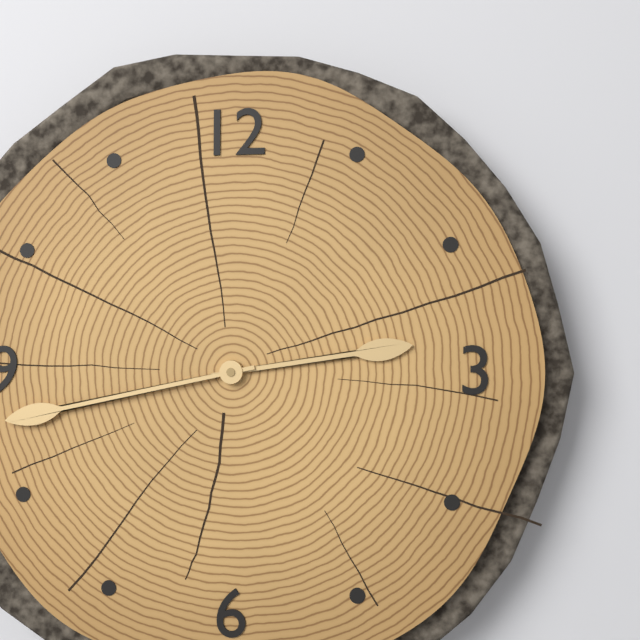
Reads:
2h43
